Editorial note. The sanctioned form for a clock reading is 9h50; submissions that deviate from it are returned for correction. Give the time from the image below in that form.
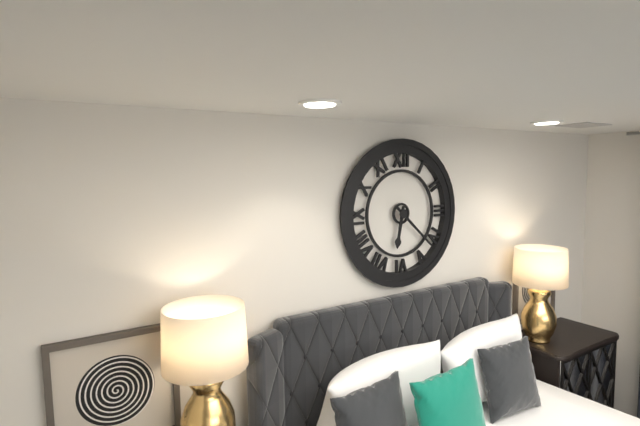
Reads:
6h22
